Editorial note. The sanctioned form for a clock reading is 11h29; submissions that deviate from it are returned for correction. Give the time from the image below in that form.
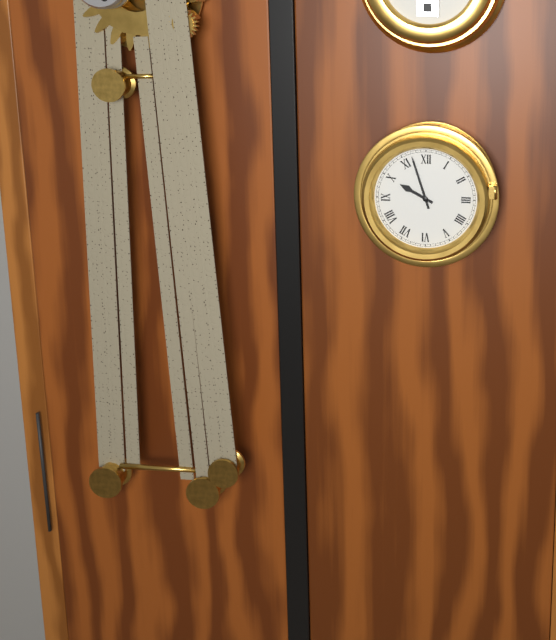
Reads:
9h57
